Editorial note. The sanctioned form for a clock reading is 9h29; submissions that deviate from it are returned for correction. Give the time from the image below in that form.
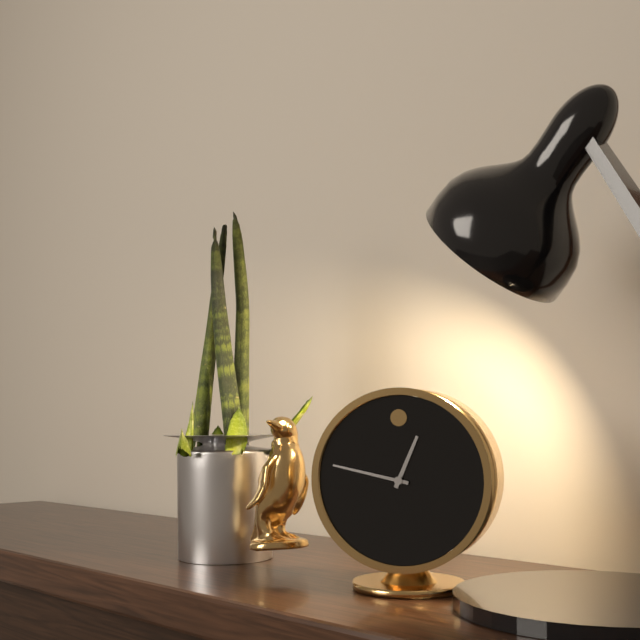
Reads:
12h47
